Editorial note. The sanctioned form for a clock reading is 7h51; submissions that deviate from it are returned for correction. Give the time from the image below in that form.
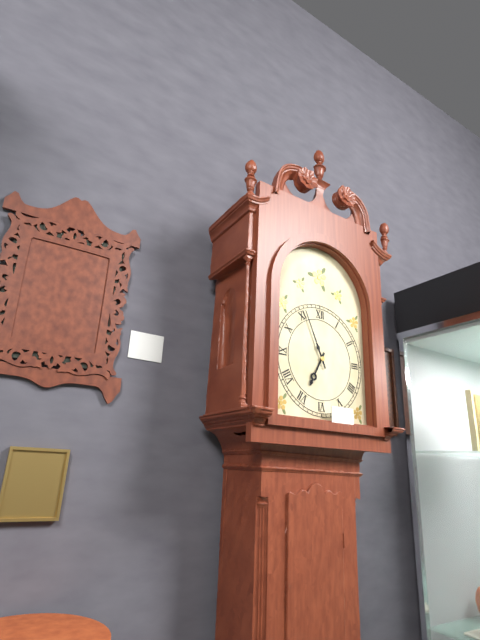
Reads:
6h56
